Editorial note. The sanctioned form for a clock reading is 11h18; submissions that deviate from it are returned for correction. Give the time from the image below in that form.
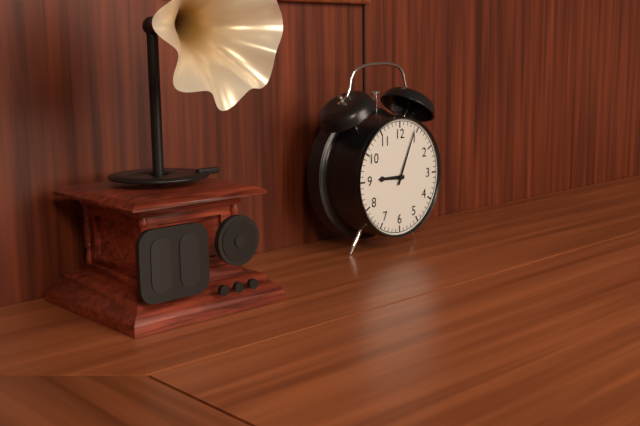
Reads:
9h04
